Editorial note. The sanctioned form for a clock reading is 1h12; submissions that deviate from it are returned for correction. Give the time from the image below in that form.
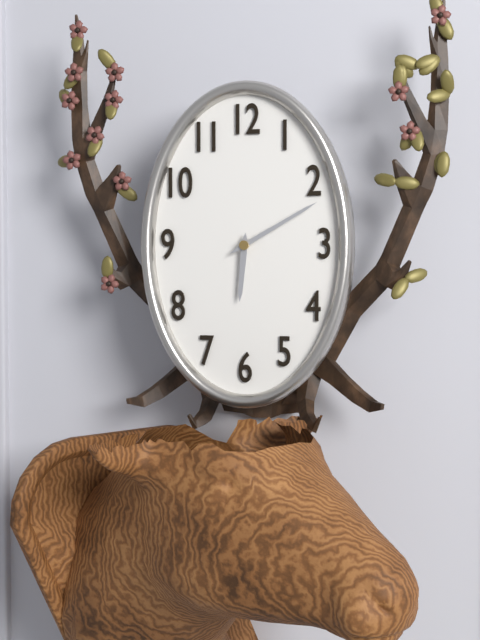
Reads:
6h10
